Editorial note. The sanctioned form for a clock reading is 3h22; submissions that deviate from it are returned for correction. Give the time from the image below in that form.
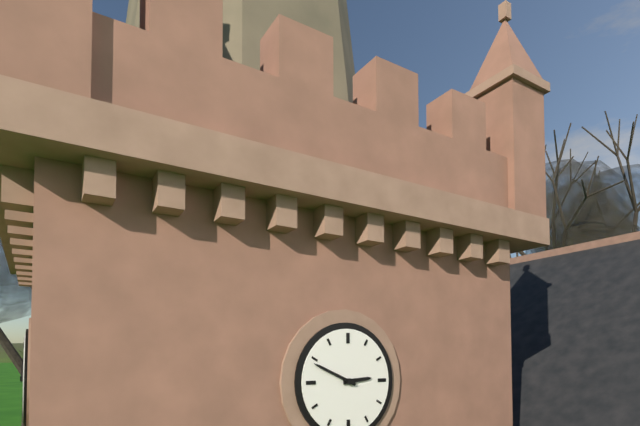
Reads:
2h49
